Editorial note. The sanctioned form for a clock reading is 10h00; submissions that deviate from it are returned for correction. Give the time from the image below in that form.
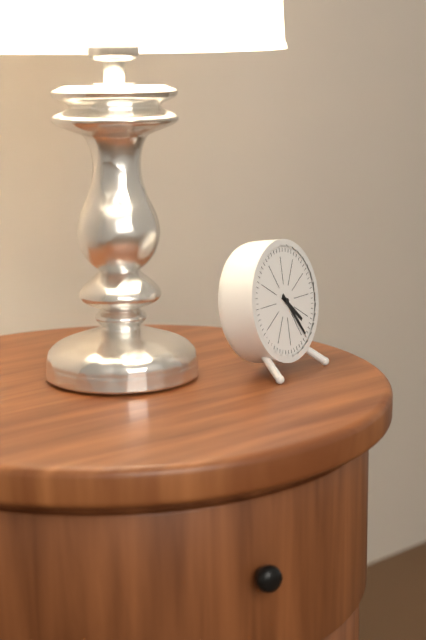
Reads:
4h24
